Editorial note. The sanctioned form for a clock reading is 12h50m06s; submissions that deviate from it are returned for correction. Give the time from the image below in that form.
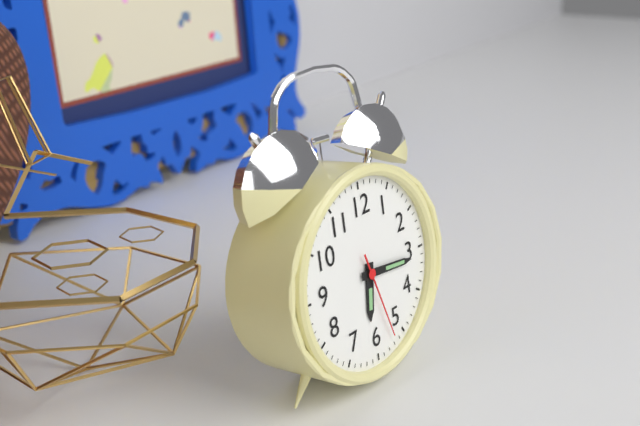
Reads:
6h16m27s
